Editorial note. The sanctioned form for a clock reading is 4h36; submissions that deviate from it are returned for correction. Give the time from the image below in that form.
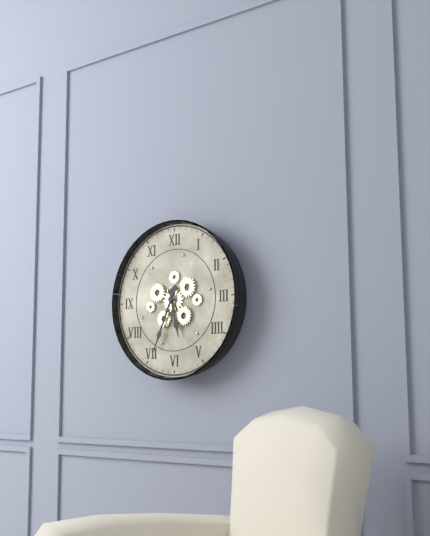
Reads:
5h34
